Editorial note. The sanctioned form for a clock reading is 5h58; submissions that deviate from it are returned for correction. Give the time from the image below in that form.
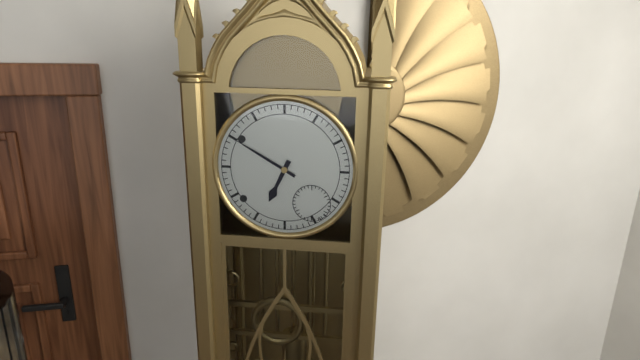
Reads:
6h50
